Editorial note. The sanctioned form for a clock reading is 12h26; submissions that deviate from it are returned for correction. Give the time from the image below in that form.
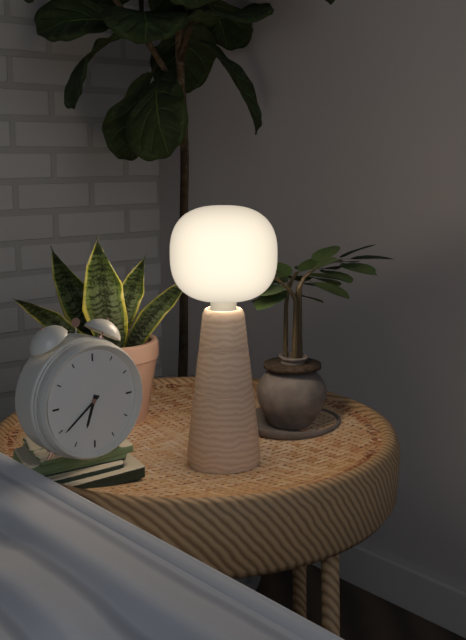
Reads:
6h39
